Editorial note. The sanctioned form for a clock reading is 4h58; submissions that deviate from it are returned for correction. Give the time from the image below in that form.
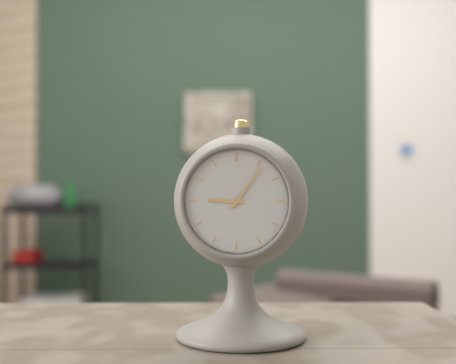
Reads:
9h06
